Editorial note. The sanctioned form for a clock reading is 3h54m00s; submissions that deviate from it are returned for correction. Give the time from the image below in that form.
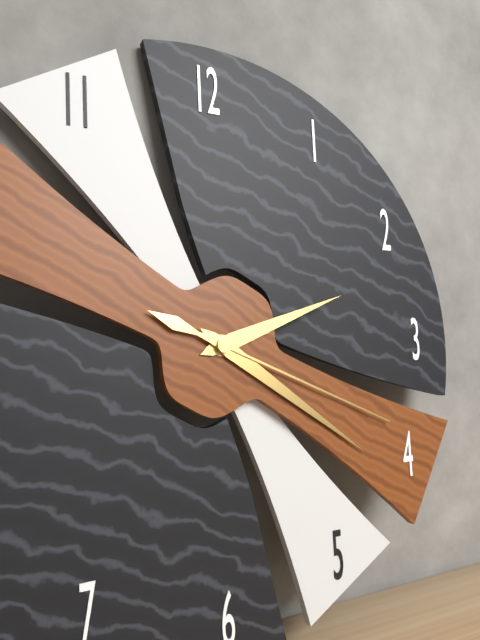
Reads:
2h21m19s
